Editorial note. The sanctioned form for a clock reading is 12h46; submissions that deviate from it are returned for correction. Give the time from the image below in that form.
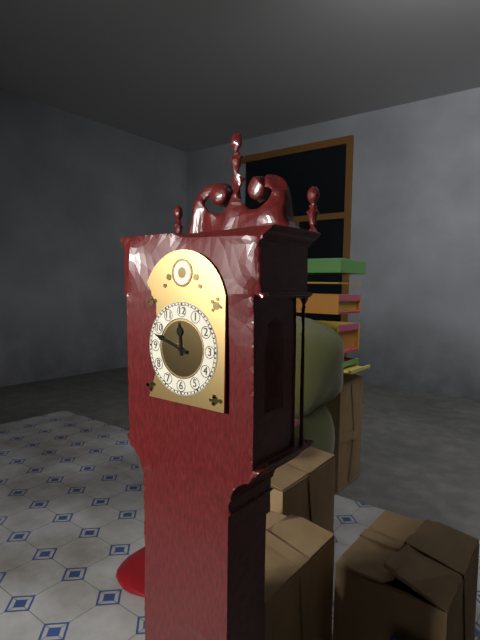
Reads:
11h48
